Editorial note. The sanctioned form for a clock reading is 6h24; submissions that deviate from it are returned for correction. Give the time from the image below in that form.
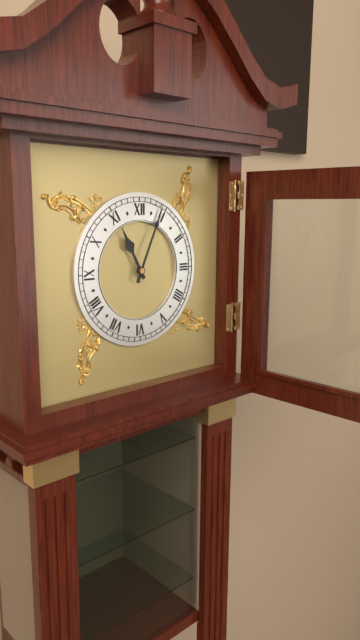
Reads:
11h04
